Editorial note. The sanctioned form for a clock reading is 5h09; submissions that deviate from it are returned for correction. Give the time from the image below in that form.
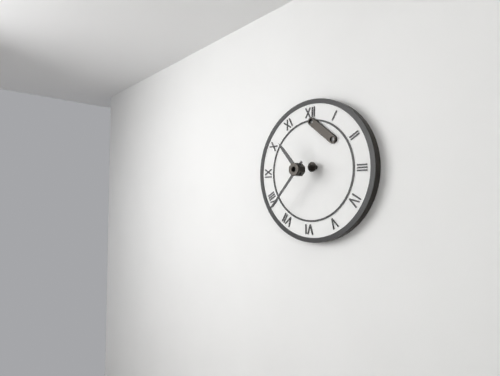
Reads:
10h37
